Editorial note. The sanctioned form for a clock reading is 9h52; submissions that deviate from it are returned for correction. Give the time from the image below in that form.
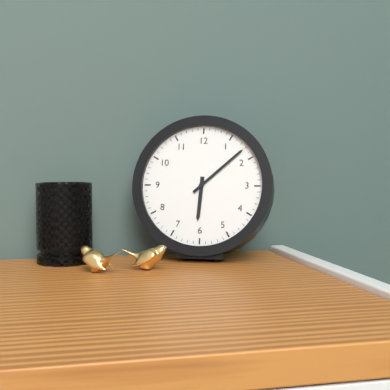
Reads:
6h08
